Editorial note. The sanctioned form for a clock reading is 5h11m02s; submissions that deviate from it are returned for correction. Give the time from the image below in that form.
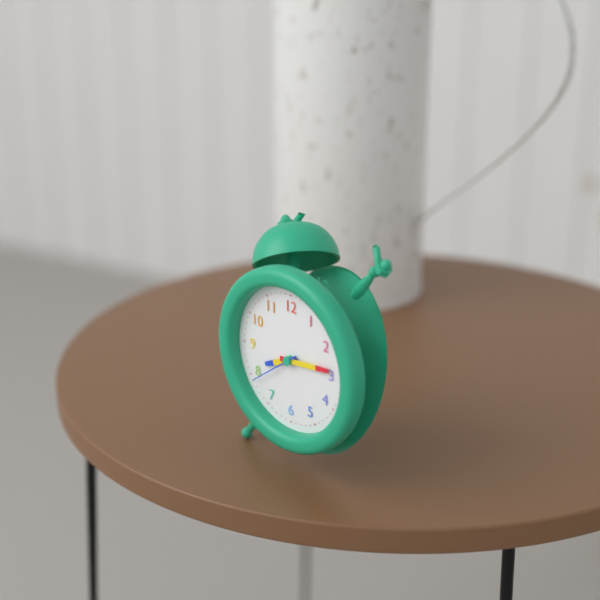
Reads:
8h14m39s
